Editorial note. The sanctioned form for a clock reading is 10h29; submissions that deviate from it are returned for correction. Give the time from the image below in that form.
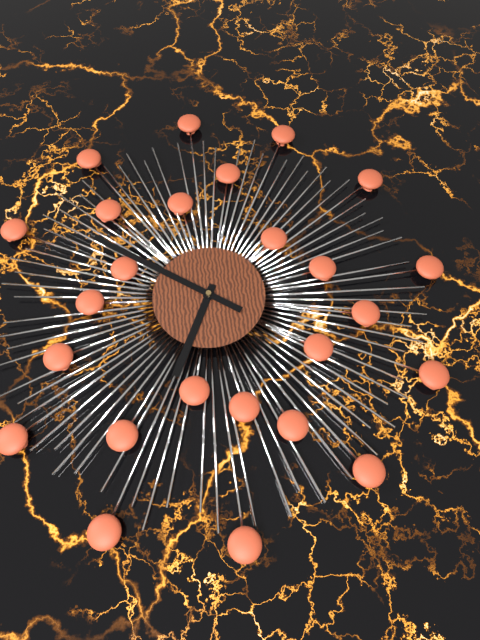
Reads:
6h51
